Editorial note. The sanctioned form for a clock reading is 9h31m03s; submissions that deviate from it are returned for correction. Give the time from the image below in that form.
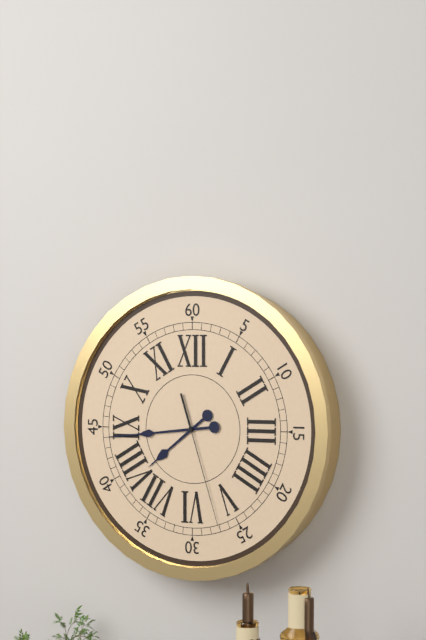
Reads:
7h44m27s
